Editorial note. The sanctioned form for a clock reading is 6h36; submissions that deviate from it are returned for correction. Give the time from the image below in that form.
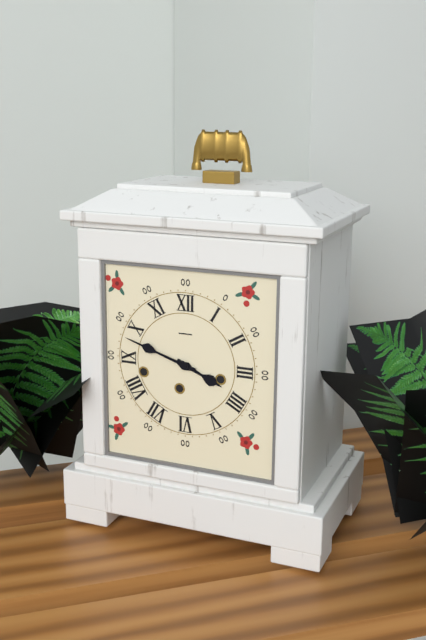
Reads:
3h48
